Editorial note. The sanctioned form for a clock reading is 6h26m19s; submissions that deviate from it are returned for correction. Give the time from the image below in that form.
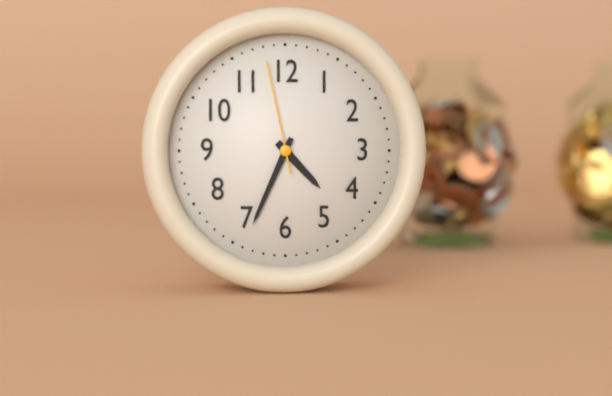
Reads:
4h34m58s
